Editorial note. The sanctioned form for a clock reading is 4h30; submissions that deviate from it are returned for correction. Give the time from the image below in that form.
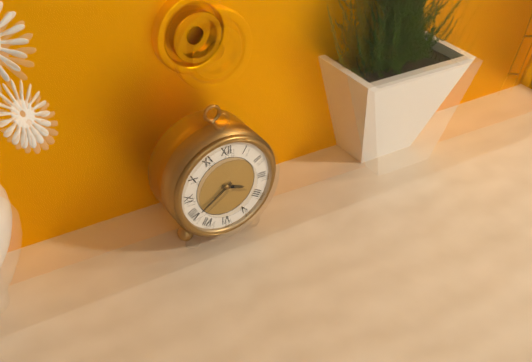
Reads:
3h39
